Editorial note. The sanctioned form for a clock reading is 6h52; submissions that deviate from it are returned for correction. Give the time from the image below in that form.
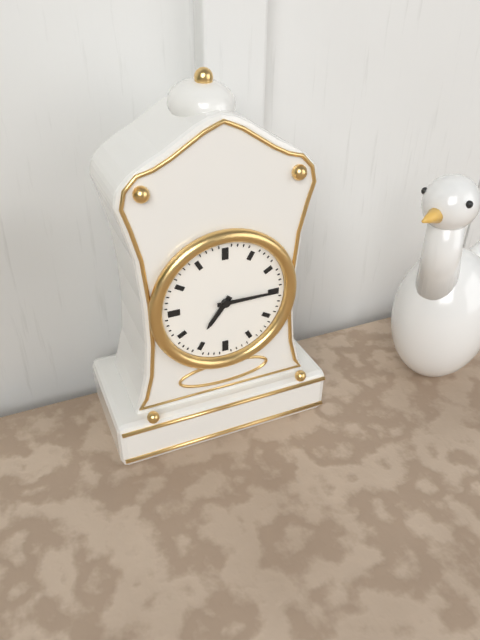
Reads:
7h15
